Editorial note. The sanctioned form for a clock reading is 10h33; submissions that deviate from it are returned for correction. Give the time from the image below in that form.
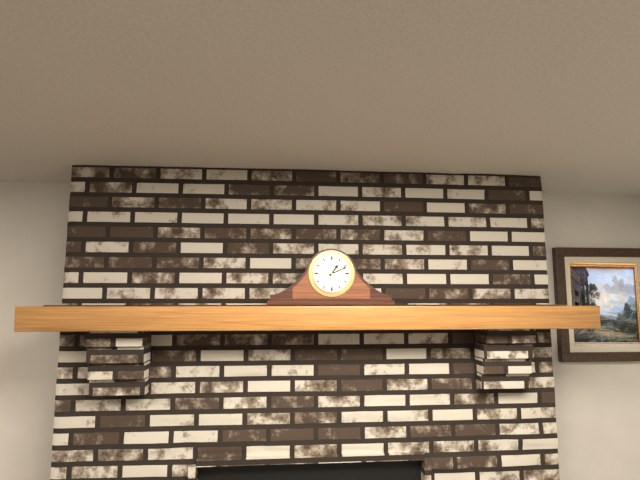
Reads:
1h11
